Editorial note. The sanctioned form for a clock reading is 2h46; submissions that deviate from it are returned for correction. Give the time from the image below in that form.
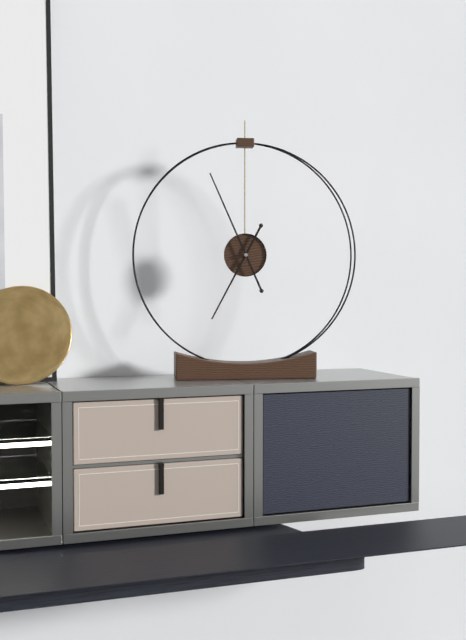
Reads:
6h56
